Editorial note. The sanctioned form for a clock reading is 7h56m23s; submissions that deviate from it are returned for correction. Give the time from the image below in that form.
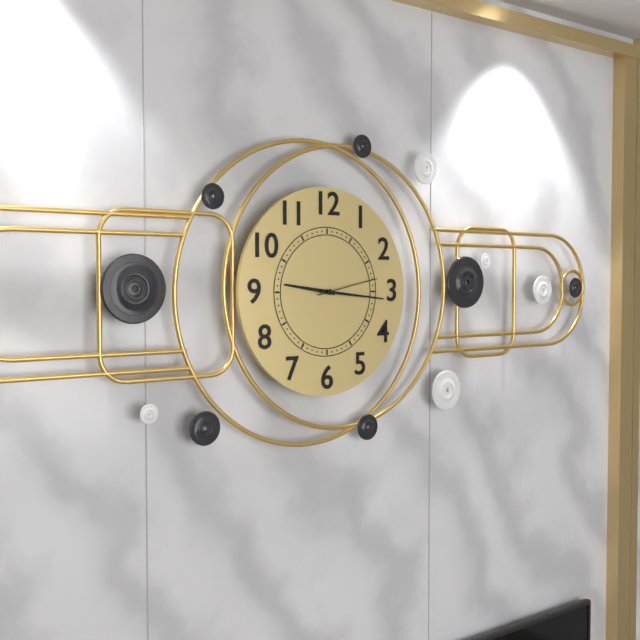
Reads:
9h16m13s
